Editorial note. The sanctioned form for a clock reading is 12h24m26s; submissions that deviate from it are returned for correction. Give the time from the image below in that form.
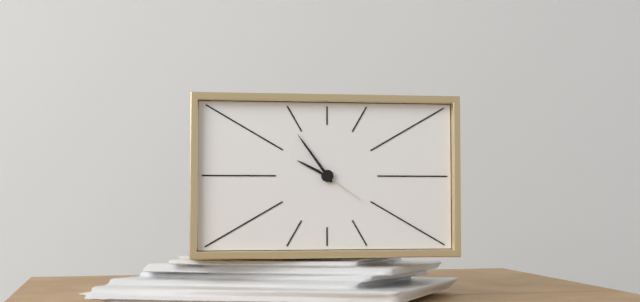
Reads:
9h54m21s
